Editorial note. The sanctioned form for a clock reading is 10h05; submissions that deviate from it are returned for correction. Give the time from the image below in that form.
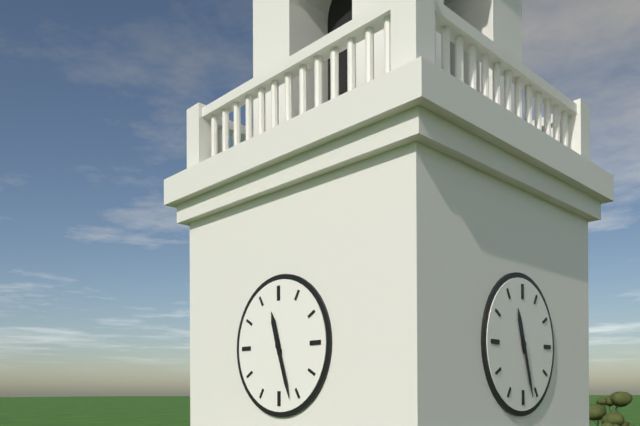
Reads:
11h27
